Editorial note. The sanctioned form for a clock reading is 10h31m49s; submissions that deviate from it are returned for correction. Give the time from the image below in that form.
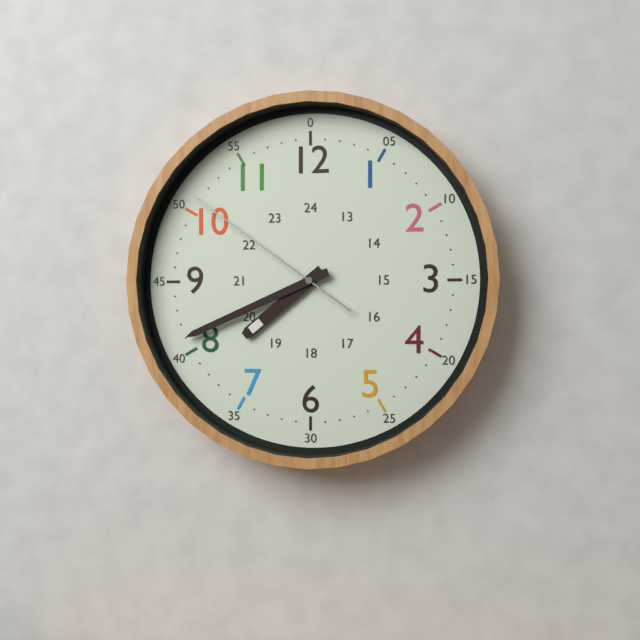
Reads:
7h41m51s
